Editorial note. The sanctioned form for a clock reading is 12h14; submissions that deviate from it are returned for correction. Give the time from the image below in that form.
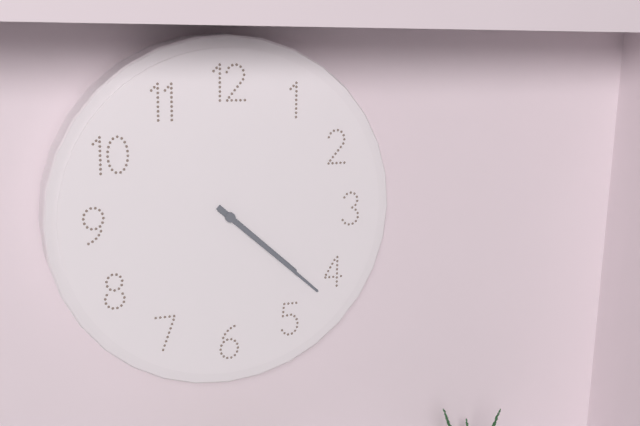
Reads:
4h22
